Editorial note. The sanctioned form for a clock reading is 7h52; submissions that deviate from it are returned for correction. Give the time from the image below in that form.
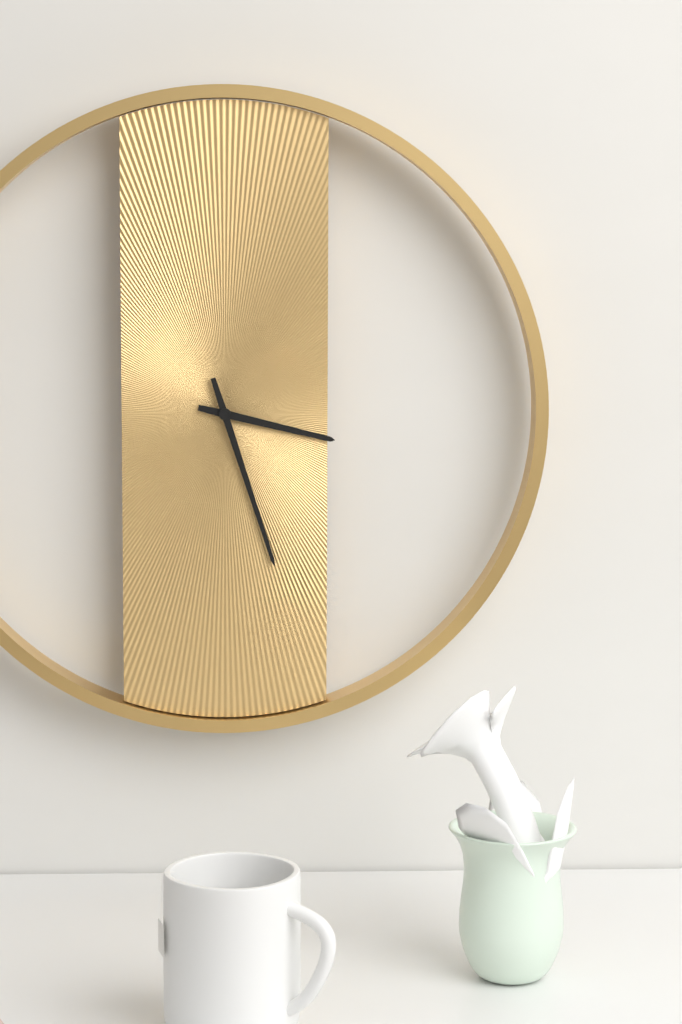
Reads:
3h27
